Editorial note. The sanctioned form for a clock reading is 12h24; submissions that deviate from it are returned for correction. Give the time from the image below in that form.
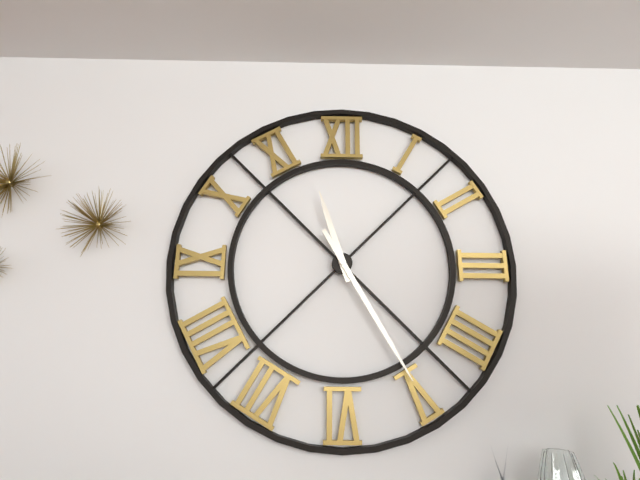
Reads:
11h25
